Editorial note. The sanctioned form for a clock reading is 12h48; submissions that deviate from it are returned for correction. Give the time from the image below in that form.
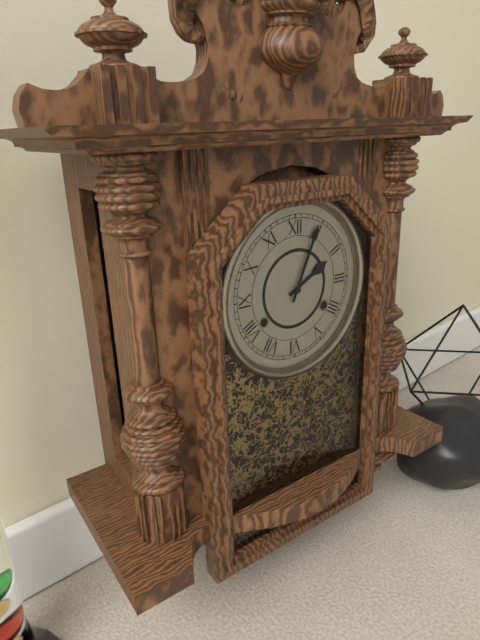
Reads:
2h04
